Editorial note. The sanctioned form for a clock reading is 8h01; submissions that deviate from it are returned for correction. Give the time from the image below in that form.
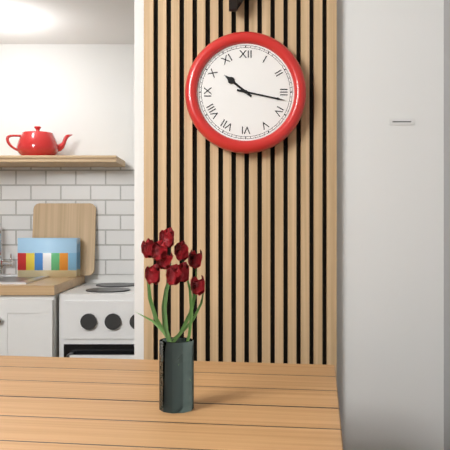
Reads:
10h17
